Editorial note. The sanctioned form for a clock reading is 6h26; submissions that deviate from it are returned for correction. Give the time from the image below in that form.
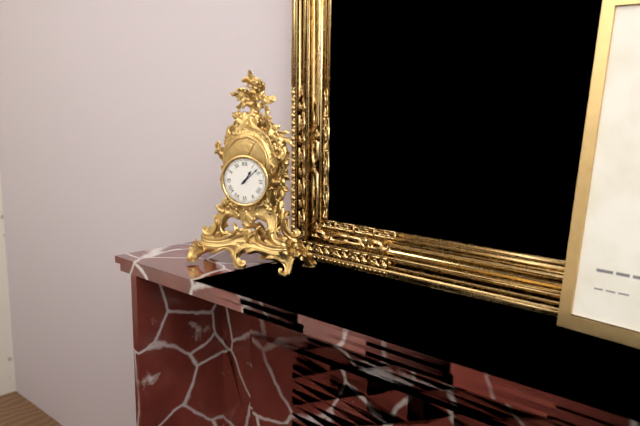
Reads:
1h08
